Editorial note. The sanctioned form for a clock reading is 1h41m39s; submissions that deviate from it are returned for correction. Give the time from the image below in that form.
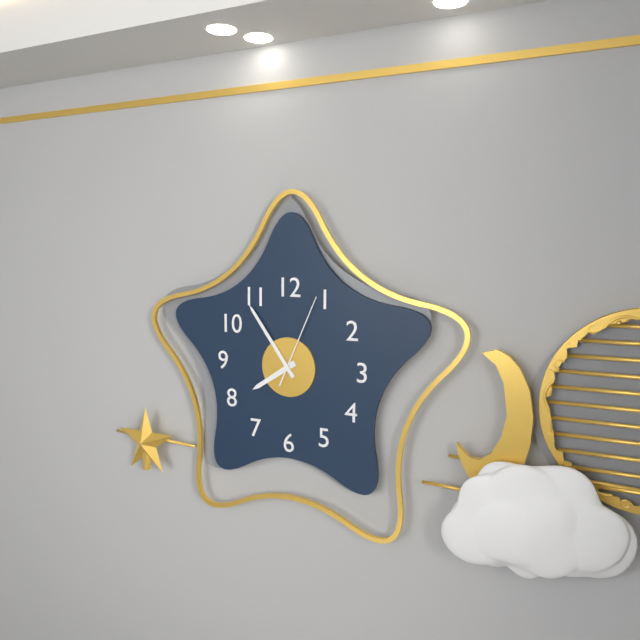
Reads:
7h54m04s
